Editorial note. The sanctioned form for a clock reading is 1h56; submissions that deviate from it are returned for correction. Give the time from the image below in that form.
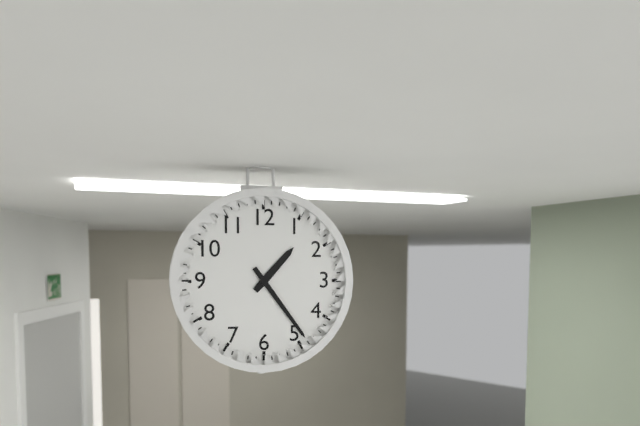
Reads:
1h24
